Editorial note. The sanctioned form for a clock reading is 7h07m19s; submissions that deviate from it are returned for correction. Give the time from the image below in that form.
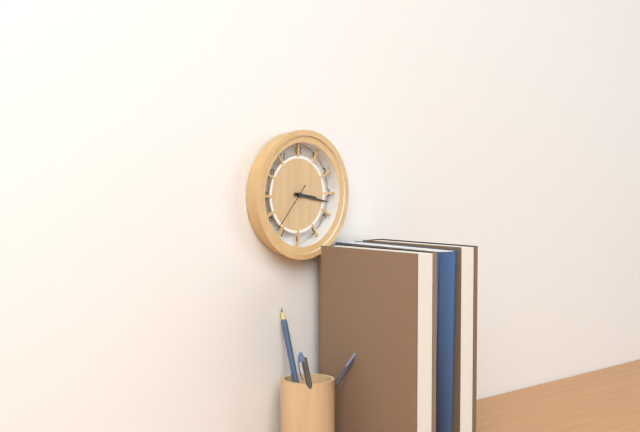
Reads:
3h17m37s
